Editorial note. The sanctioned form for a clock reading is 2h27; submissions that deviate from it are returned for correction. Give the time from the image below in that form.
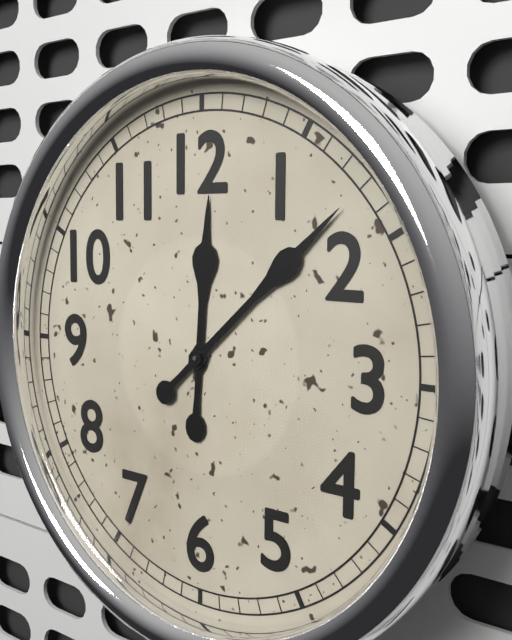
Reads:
12h08
